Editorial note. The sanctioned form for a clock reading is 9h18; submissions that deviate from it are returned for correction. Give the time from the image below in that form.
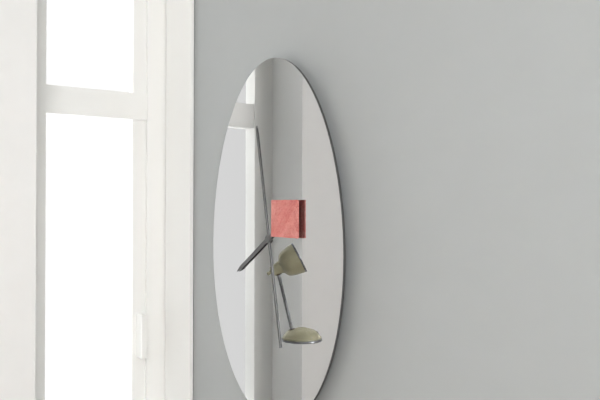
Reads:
7h58
